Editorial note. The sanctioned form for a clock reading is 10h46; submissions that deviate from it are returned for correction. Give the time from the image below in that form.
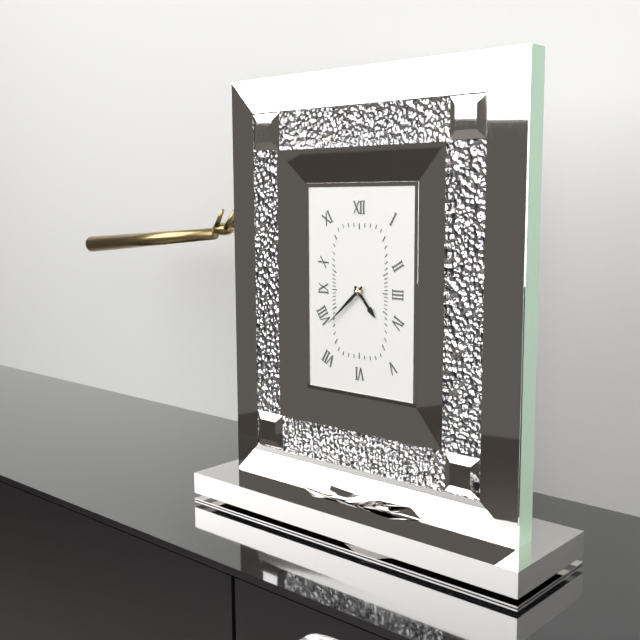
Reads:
4h38
